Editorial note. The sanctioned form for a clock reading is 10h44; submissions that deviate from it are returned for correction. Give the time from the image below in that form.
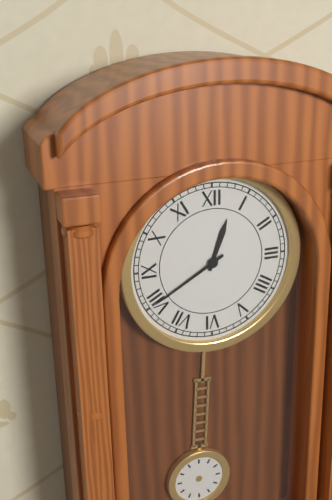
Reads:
12h40
